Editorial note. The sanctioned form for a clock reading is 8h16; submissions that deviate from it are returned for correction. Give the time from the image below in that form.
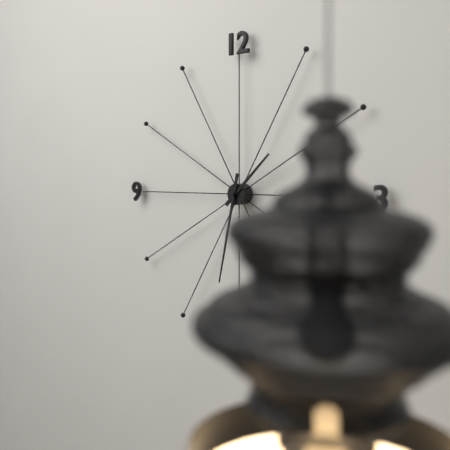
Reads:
1h32
